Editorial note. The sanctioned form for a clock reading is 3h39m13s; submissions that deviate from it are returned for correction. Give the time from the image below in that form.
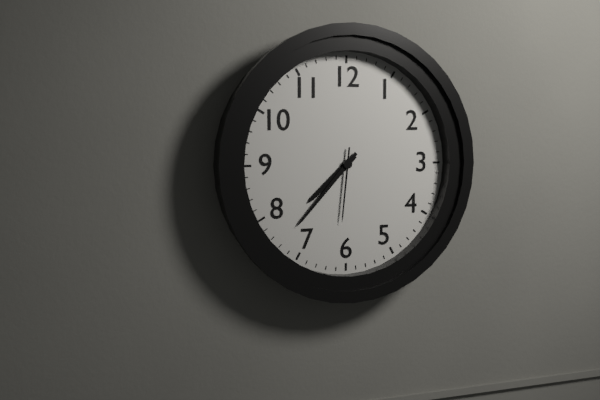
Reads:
7h37m31s
